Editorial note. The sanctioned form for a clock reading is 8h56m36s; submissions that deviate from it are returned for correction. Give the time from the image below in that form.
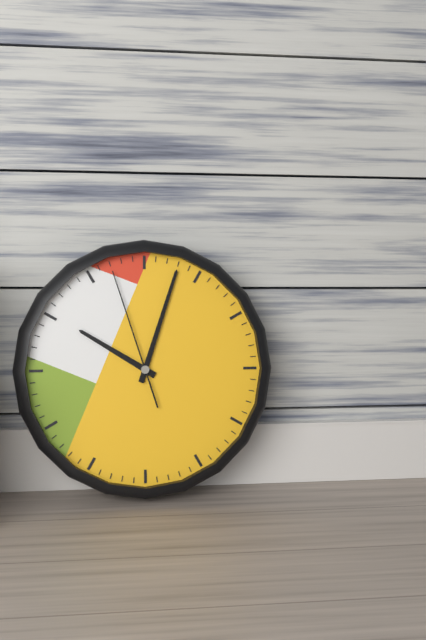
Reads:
10h03m57s
